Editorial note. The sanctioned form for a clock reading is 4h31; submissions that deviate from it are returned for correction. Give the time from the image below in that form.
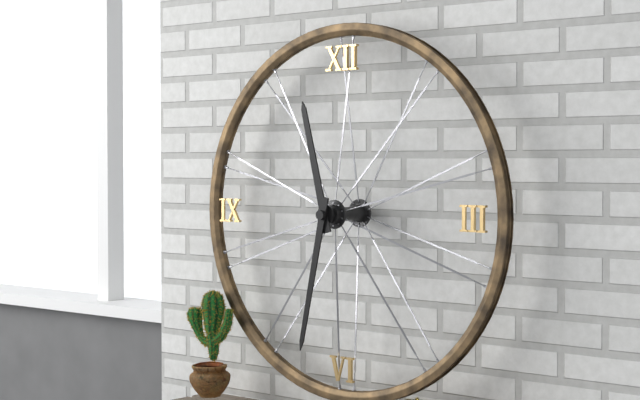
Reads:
11h32
